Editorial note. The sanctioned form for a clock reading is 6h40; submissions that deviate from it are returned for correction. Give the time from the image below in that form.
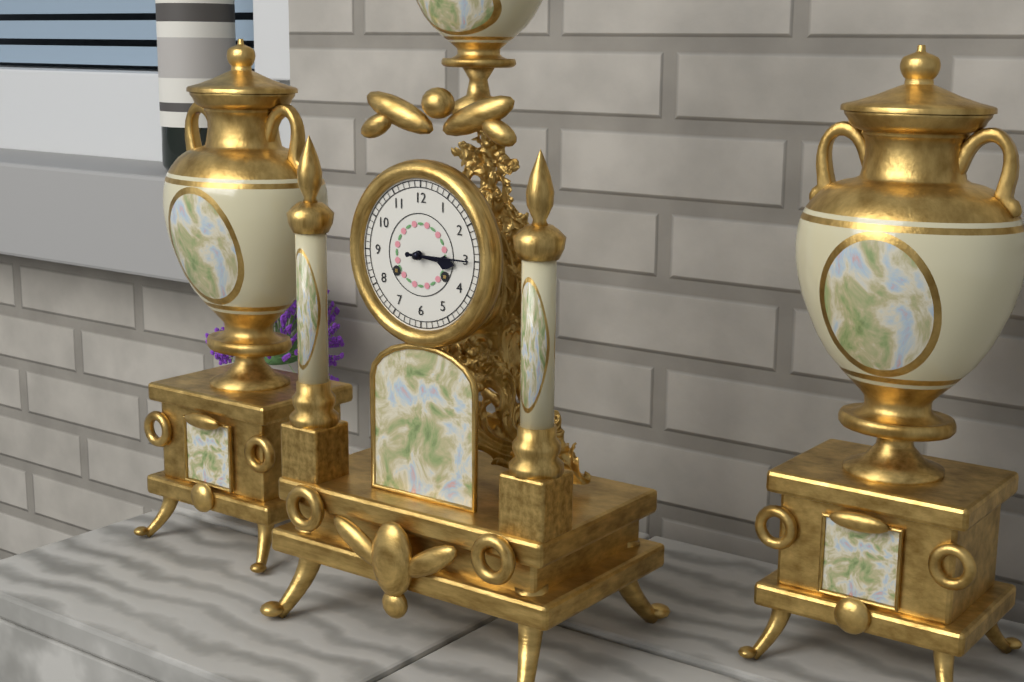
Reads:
3h15
